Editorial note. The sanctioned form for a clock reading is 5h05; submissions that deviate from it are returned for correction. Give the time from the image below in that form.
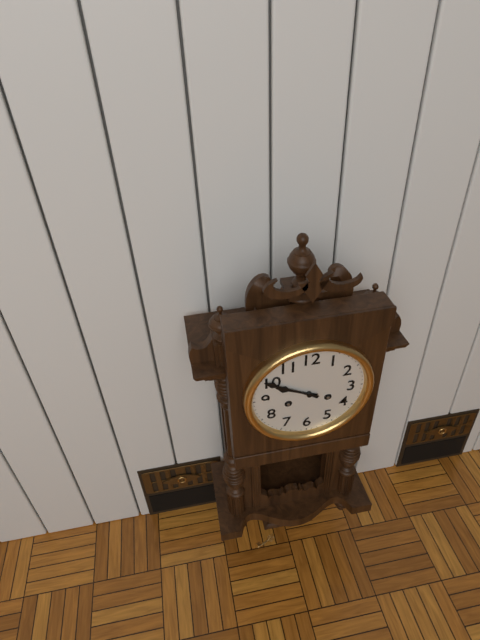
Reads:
9h50
